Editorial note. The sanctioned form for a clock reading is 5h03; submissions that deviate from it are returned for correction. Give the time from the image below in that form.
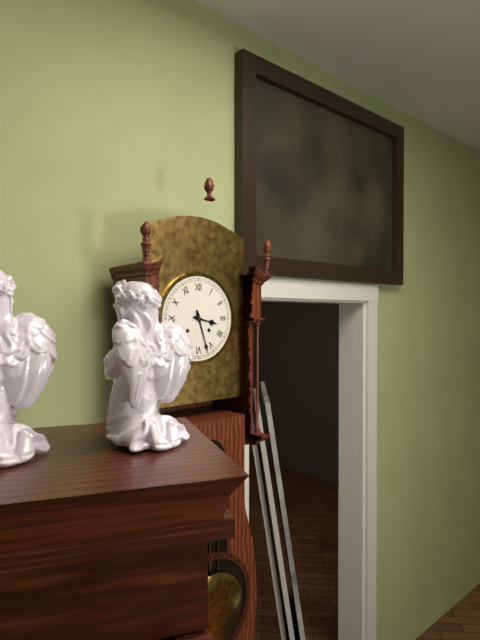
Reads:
3h27
